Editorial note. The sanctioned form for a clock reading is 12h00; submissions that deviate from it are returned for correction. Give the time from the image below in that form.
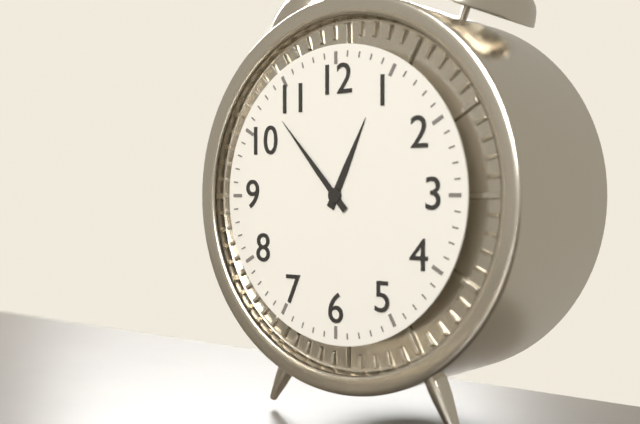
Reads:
12h53
